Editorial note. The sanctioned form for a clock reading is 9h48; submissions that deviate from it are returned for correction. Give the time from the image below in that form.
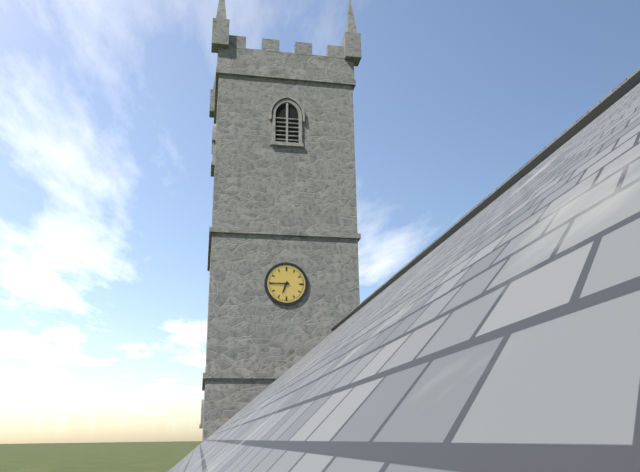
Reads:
6h45
